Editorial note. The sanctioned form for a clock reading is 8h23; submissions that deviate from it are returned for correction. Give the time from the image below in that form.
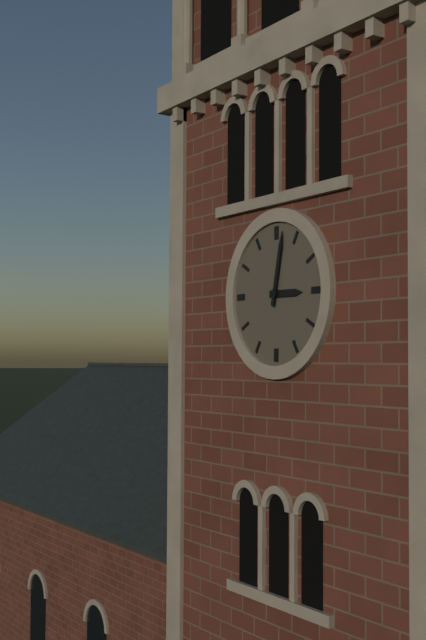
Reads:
3h02
